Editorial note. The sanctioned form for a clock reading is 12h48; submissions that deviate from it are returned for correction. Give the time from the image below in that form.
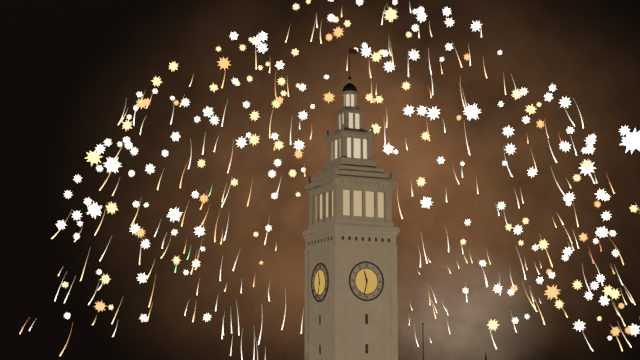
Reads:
11h32
